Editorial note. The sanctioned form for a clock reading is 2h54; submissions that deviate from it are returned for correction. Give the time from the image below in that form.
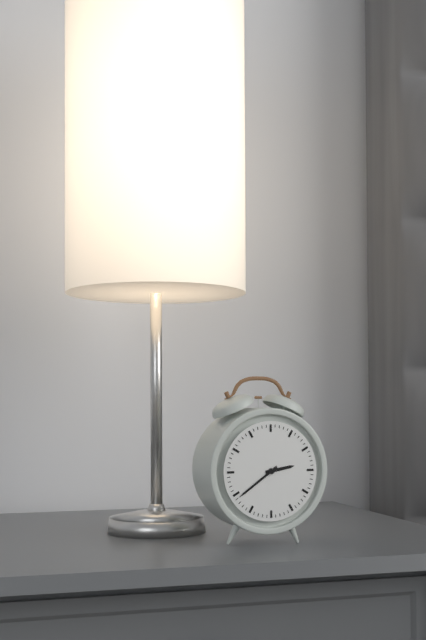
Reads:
2h39
